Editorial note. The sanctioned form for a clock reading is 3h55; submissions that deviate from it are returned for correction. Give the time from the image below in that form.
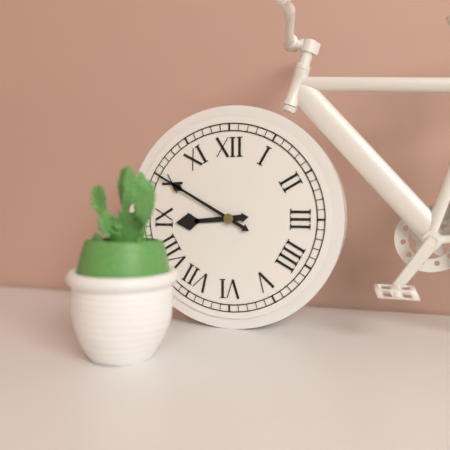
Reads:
8h50
